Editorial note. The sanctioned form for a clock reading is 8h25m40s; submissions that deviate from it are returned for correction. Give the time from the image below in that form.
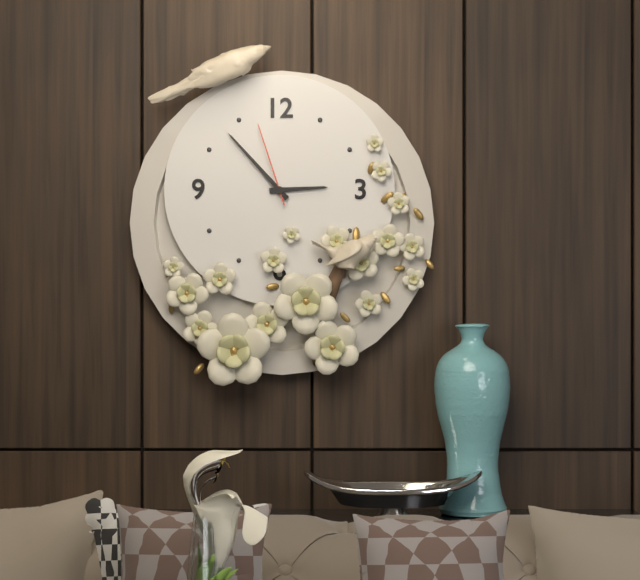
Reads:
2h53m57s
